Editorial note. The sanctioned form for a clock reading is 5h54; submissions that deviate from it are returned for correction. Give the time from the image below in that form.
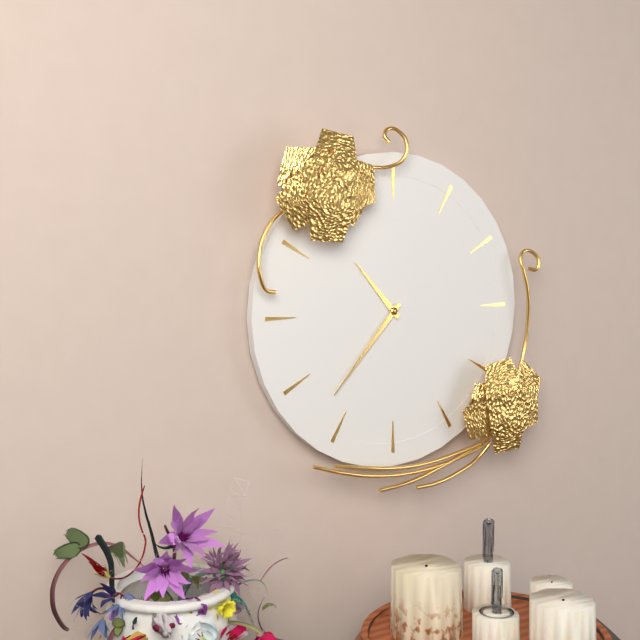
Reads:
10h37
